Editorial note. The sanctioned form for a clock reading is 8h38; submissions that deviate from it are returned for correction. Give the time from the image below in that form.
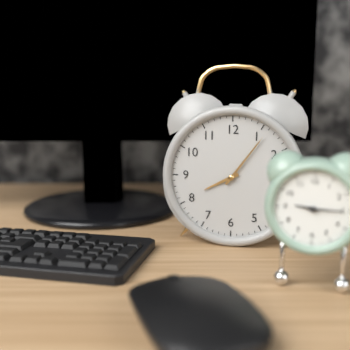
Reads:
8h06
